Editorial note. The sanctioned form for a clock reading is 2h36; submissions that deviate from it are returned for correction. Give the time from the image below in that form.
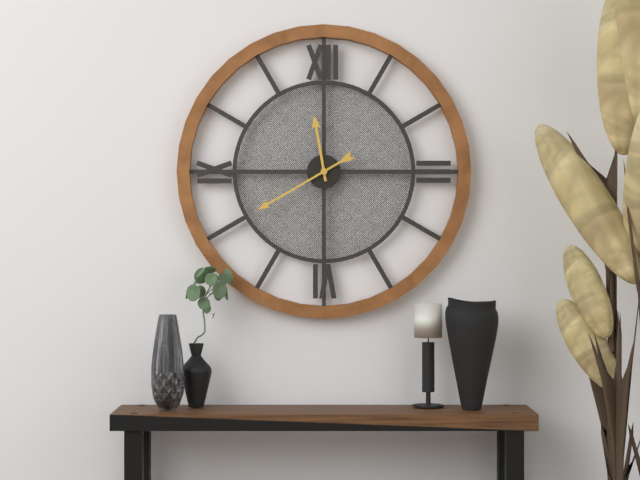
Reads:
11h40
